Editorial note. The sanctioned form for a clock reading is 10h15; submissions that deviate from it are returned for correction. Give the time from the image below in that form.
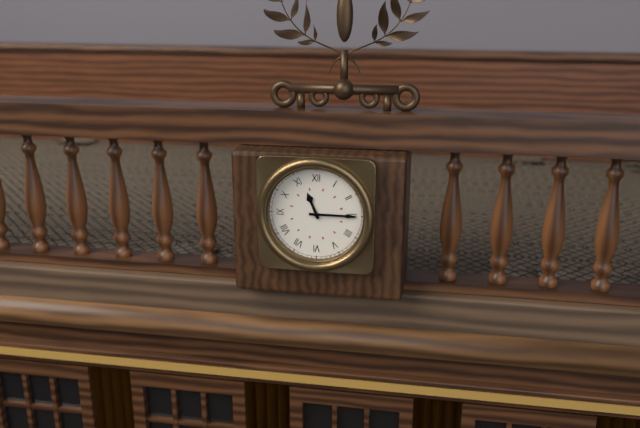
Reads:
11h15
